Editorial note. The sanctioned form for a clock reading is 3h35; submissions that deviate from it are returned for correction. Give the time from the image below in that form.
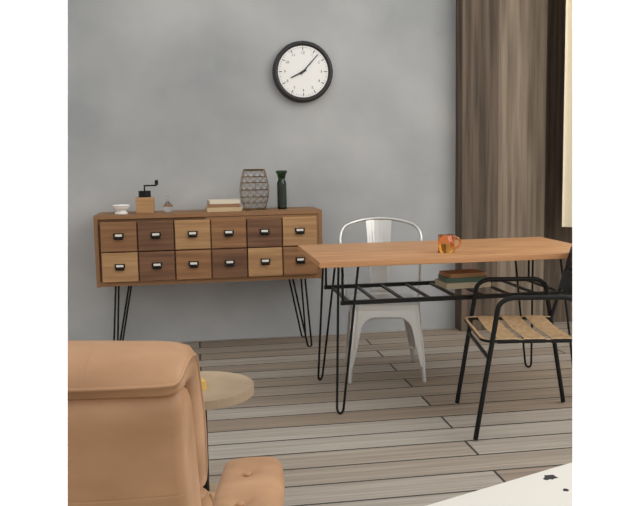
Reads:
8h07
